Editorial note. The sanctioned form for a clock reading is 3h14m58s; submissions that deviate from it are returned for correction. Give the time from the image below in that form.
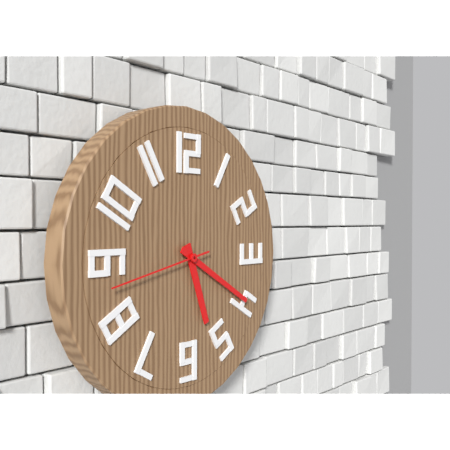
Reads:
5h20m43s
